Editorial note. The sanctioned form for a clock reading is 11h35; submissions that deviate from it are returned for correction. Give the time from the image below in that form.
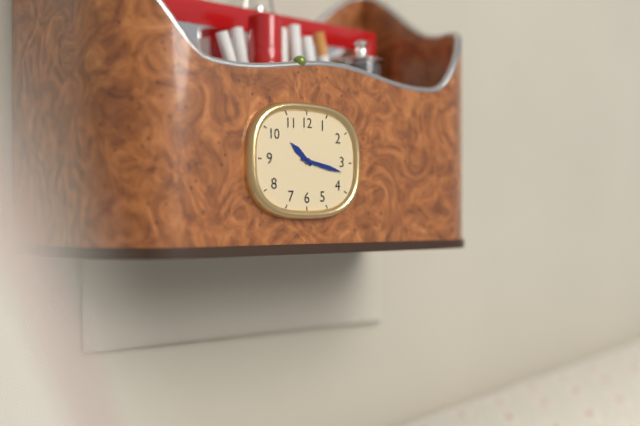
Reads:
10h17
